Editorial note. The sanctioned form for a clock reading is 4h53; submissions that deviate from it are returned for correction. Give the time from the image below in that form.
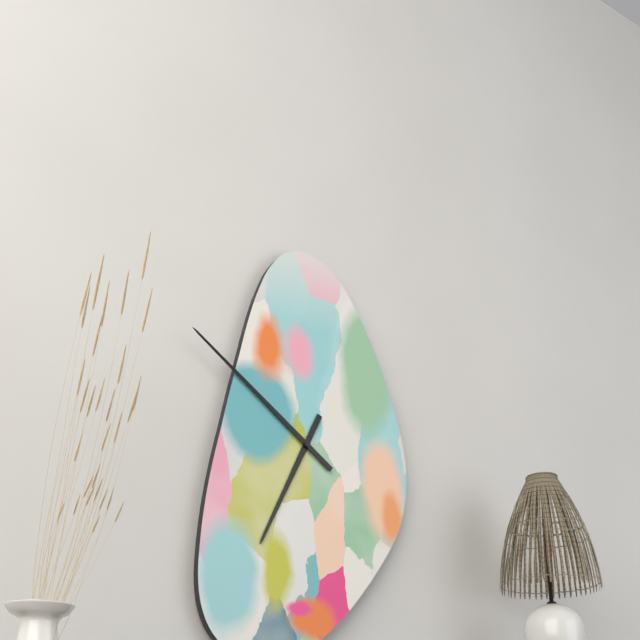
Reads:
6h51
